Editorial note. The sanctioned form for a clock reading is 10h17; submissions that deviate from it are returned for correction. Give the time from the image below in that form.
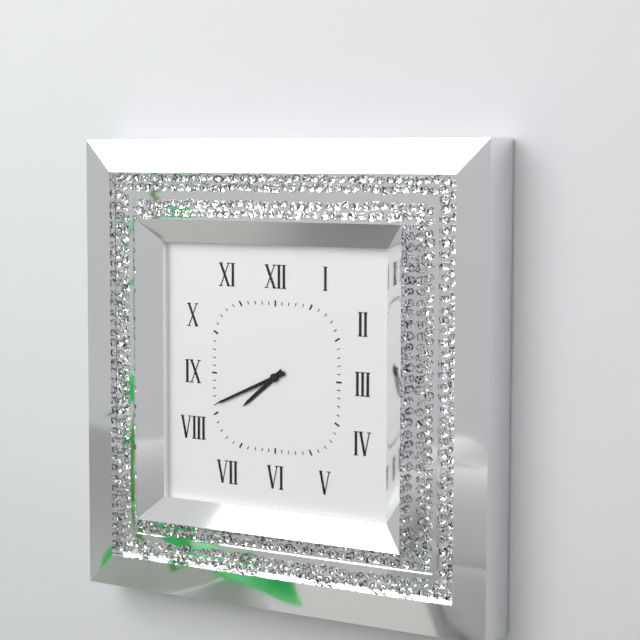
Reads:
7h41
